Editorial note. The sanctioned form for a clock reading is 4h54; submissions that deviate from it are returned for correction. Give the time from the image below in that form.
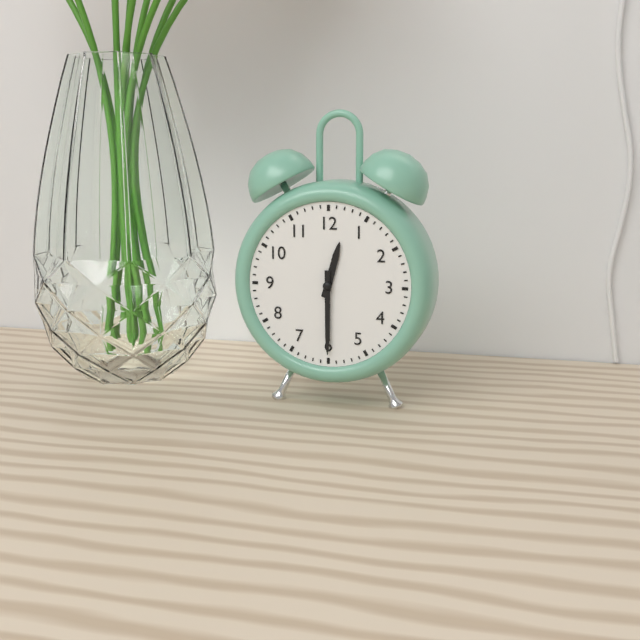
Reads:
12h30
